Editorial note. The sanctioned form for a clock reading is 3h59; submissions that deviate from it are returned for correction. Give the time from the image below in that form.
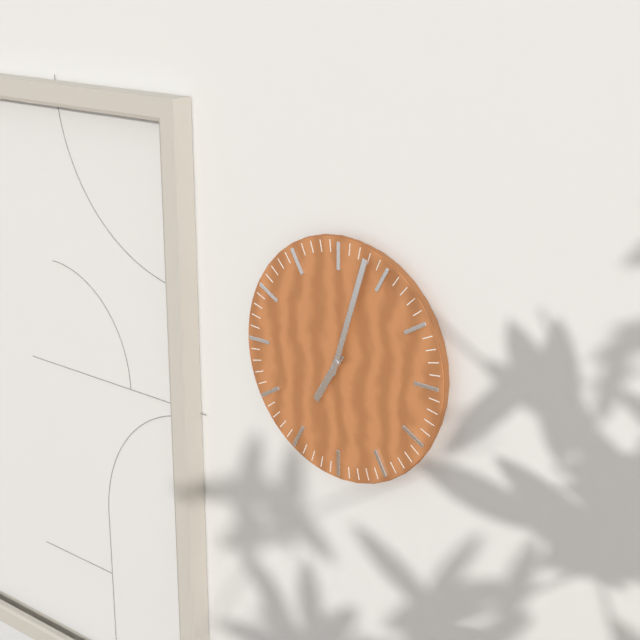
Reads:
7h03
